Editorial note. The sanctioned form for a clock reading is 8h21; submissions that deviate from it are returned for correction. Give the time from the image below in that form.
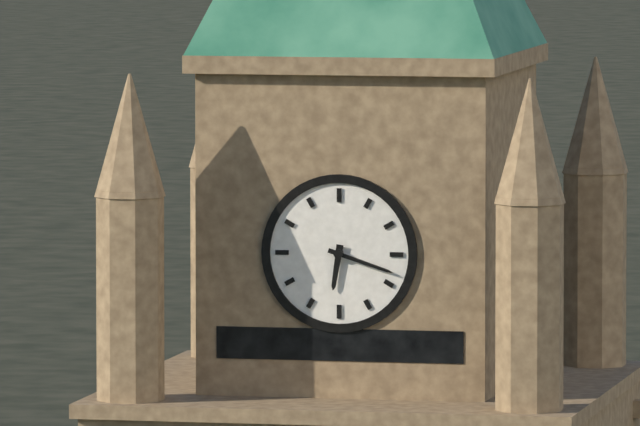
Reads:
6h18
